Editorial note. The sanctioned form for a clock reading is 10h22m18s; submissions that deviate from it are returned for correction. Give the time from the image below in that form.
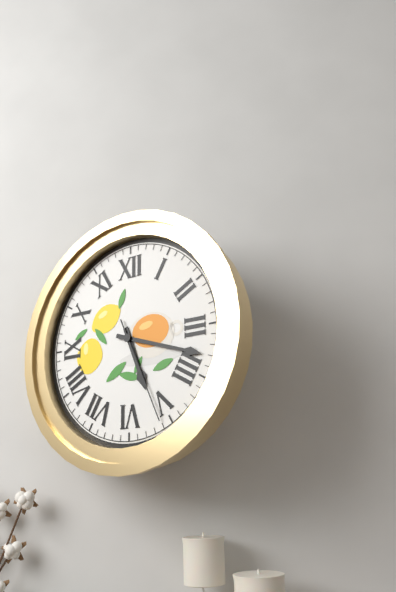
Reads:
5h18m26s
